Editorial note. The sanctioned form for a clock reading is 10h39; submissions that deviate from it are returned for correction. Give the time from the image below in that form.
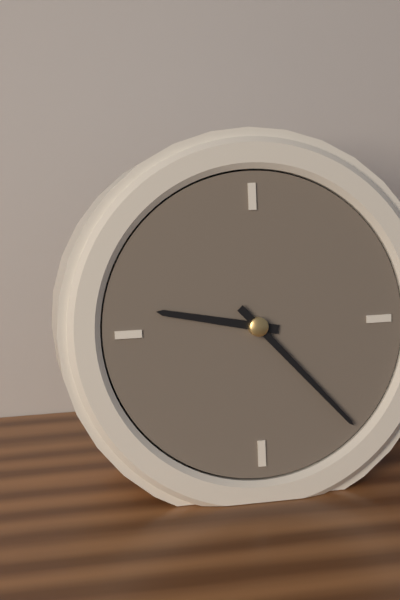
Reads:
9h23
